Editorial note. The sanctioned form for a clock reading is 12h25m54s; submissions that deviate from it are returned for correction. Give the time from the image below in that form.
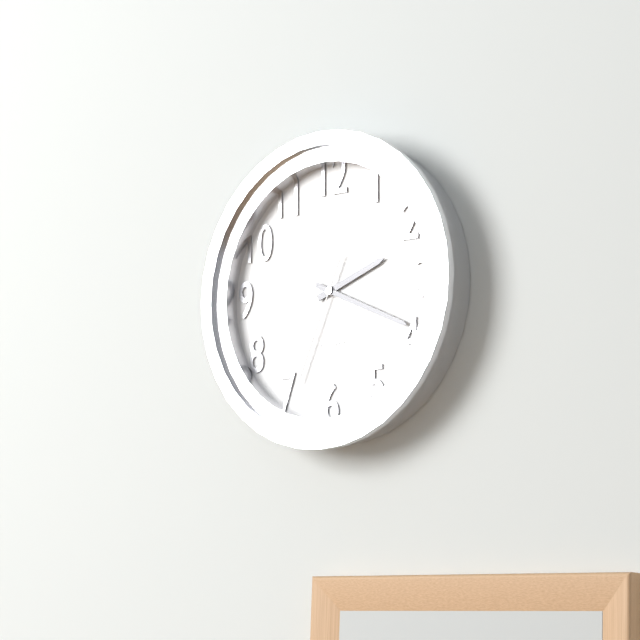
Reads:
2h19m34s
